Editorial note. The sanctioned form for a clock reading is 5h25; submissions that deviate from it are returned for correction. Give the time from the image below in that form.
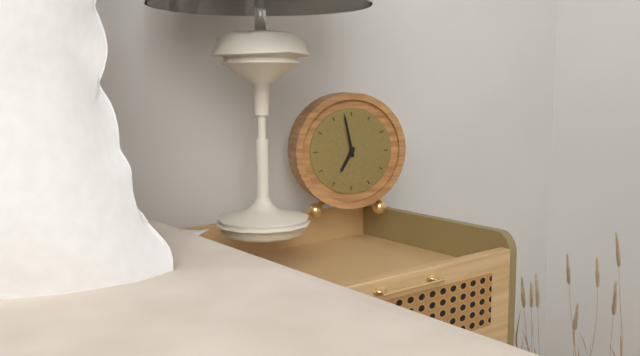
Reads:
6h58
